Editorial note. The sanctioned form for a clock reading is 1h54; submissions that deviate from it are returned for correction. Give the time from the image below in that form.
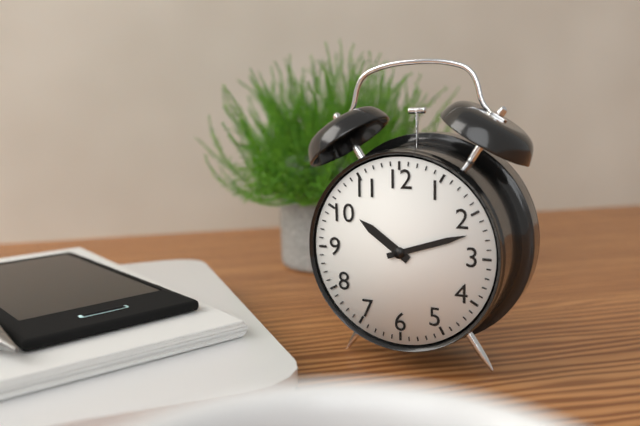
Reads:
10h12
